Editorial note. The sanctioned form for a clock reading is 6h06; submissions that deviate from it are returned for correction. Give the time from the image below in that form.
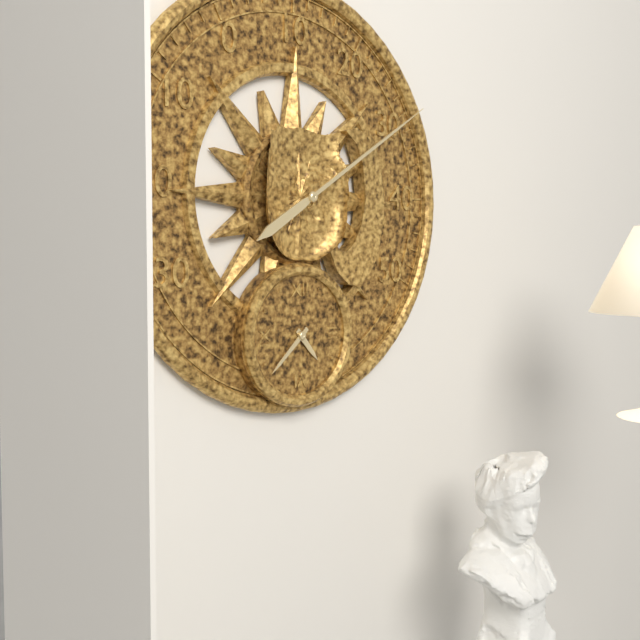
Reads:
4h38
